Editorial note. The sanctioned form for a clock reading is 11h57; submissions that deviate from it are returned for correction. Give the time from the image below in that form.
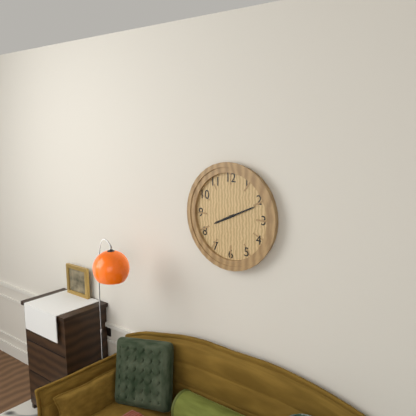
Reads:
8h11
